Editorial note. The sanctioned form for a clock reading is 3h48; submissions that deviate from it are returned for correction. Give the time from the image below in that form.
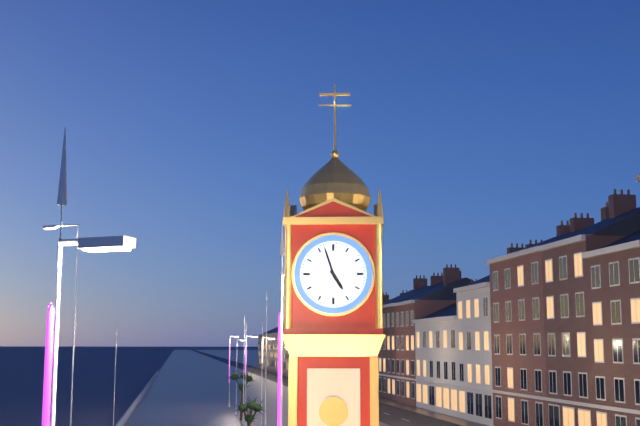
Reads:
4h57
